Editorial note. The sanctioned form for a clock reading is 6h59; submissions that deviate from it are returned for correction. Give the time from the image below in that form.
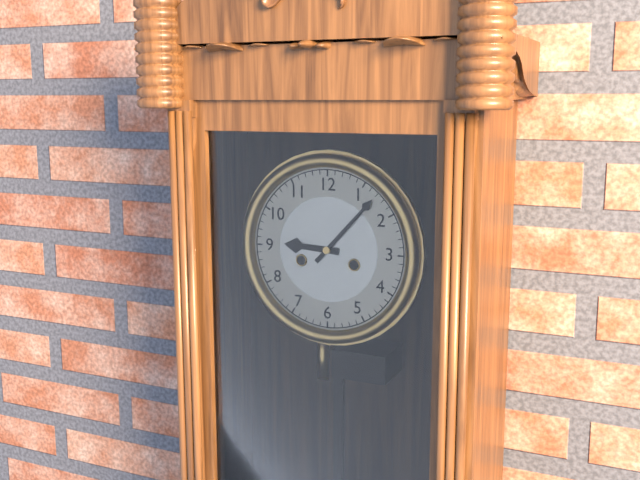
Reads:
9h07
